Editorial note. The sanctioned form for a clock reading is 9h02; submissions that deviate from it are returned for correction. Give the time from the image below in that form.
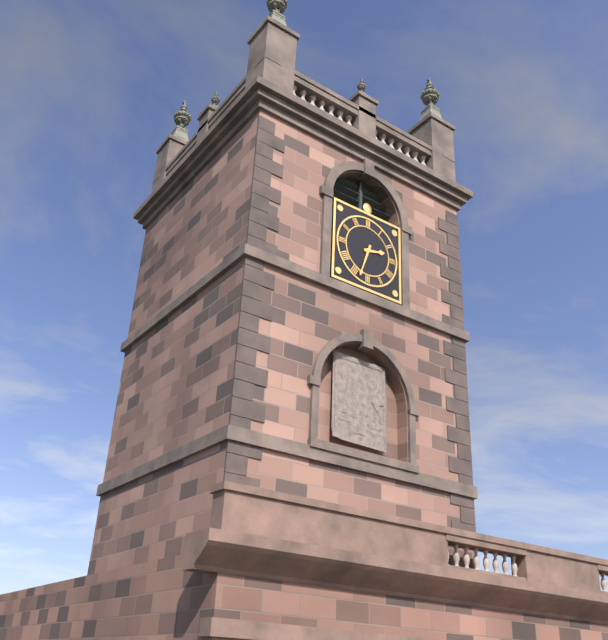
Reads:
2h33
